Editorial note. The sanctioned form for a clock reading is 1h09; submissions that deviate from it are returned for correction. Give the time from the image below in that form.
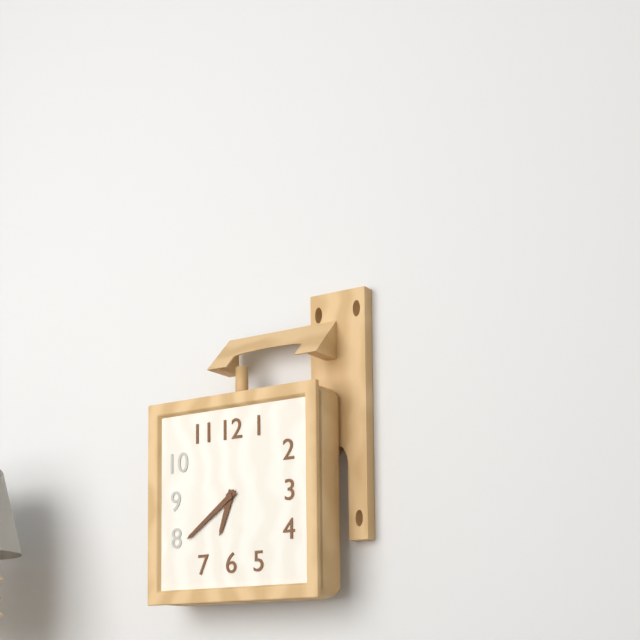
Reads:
6h39
